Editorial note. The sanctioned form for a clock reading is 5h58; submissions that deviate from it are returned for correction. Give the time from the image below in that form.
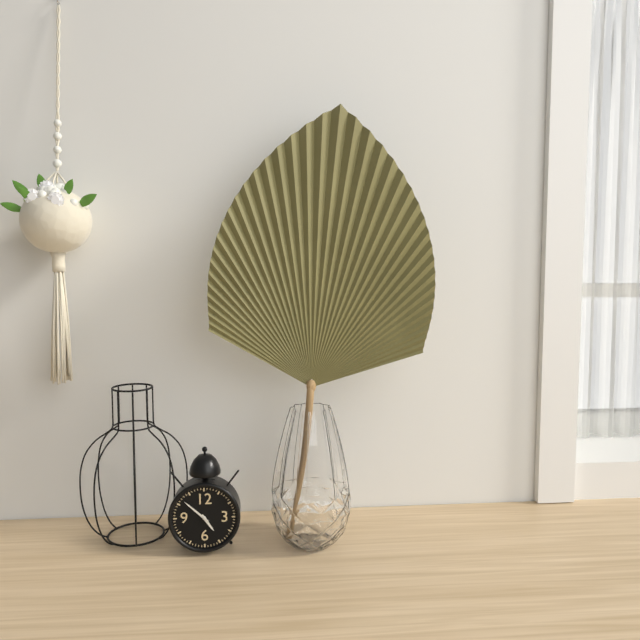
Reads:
4h52
